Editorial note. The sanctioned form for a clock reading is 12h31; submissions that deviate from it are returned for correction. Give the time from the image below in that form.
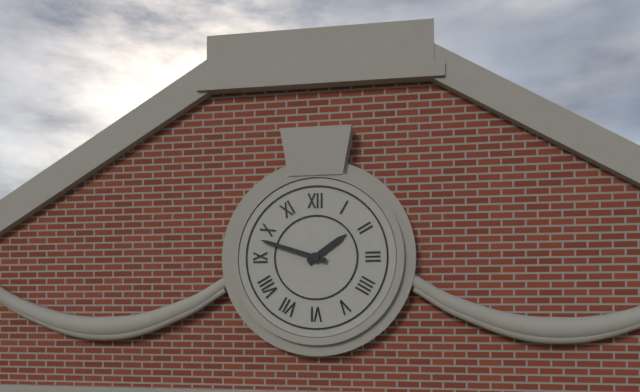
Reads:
1h48
